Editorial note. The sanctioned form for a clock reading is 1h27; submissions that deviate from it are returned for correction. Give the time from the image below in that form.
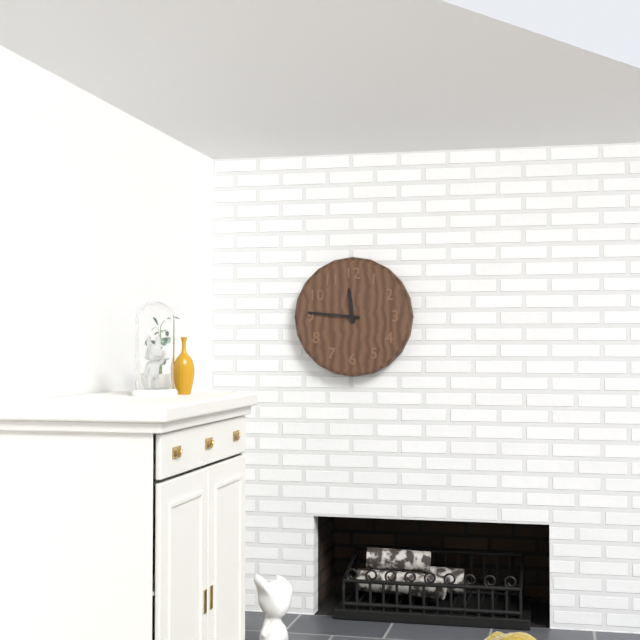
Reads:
11h46
